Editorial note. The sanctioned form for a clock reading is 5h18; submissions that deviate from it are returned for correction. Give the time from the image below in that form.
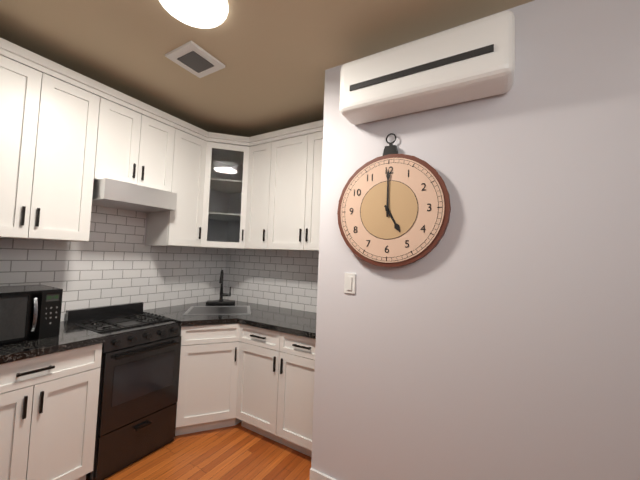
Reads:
5h00
